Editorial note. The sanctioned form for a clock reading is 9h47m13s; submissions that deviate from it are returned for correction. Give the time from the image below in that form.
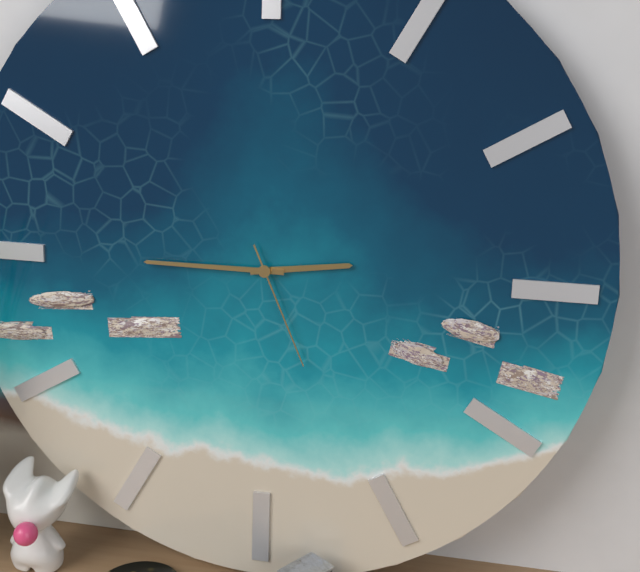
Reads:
2h45m26s
